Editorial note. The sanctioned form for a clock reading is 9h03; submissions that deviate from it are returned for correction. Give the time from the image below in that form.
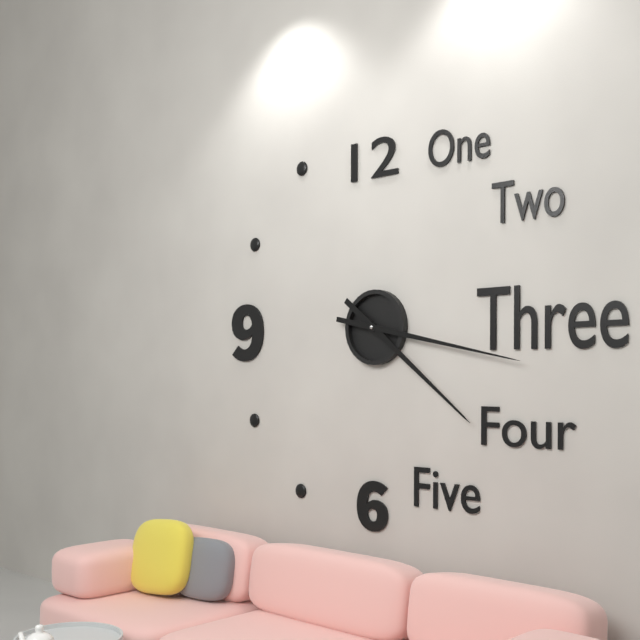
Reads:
4h17
